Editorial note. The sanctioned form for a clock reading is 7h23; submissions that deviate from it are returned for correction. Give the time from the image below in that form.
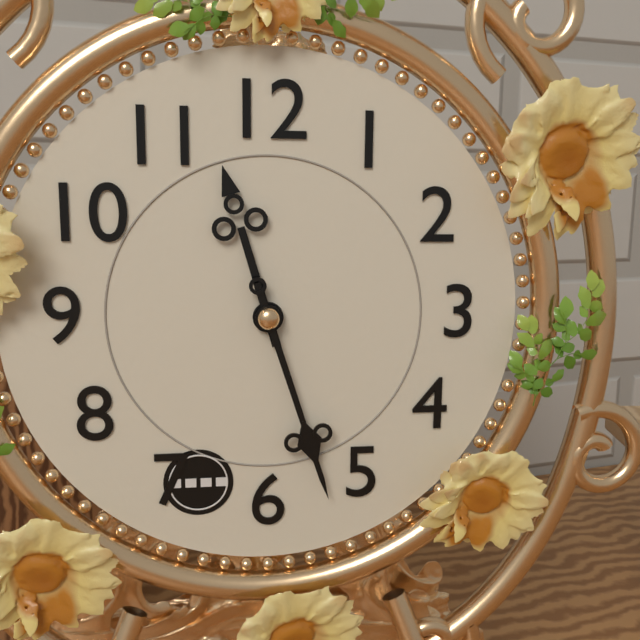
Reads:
11h27
